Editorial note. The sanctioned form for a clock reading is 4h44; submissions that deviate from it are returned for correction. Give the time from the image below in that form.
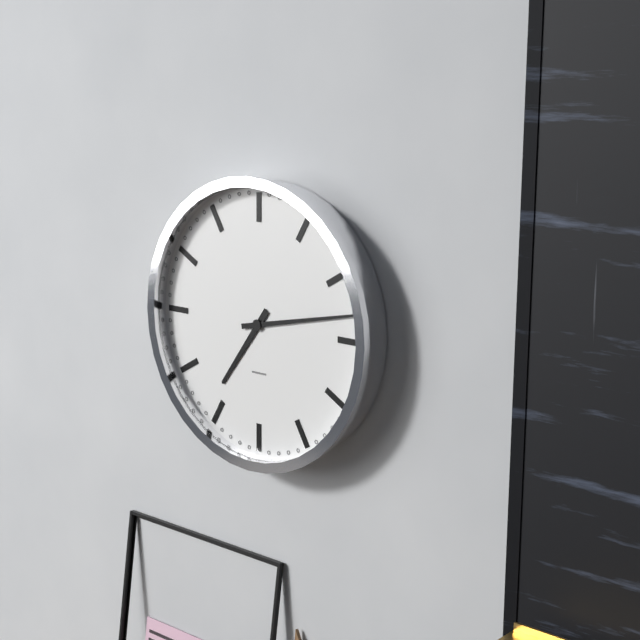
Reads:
7h13
